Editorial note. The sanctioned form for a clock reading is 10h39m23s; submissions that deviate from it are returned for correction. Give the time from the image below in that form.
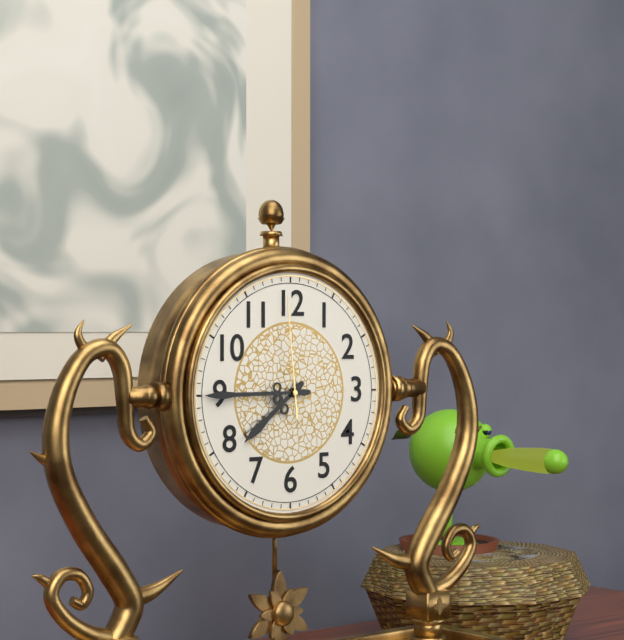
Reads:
7h45m59s
